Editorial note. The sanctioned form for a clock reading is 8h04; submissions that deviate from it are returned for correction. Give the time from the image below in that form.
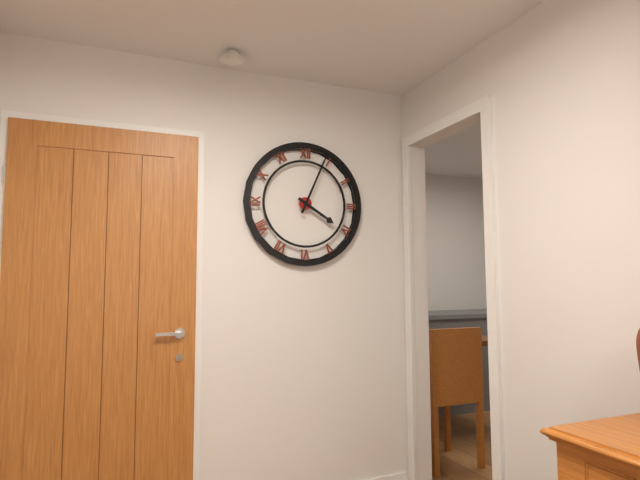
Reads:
4h04
